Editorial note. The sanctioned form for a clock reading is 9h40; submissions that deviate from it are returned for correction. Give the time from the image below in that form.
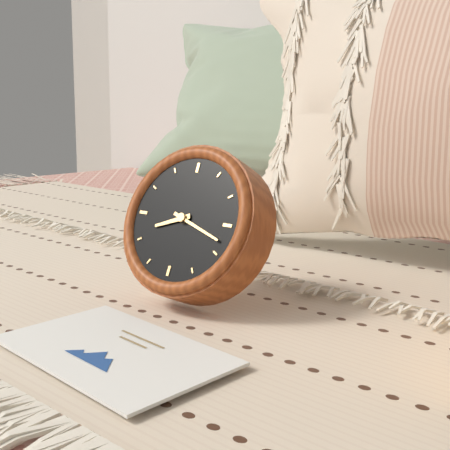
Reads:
8h18
